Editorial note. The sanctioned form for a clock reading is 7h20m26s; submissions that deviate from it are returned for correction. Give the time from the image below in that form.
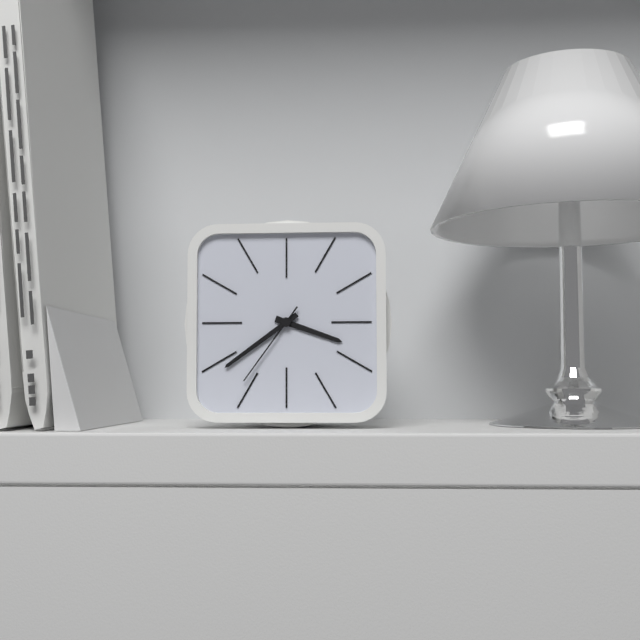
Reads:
3h39m36s
